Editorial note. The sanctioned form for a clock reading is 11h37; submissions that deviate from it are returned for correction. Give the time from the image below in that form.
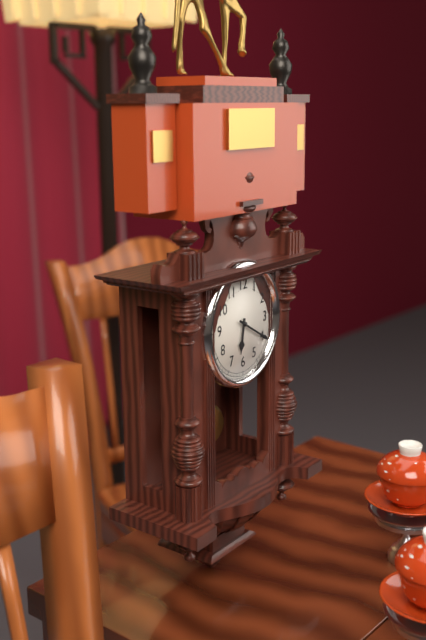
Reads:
6h20
